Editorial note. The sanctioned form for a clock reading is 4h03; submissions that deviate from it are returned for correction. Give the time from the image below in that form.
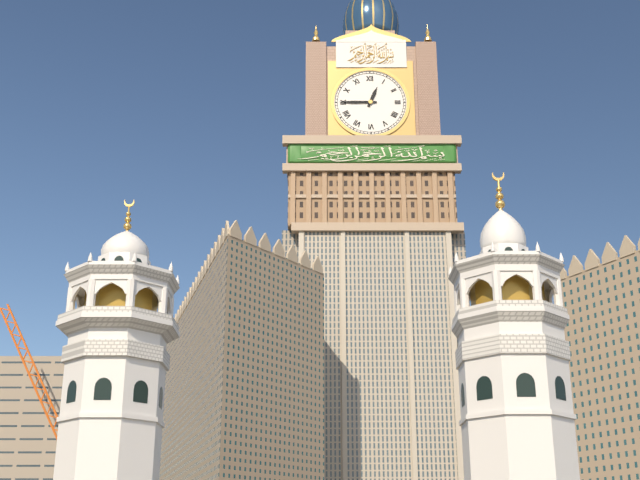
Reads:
12h45
